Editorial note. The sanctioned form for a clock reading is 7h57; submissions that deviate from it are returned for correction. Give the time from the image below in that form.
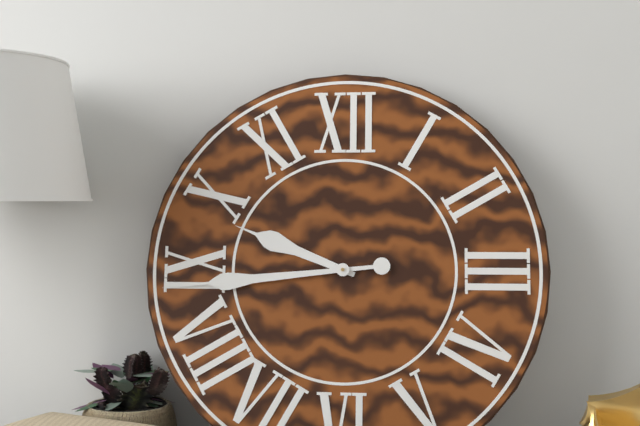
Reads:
9h44
